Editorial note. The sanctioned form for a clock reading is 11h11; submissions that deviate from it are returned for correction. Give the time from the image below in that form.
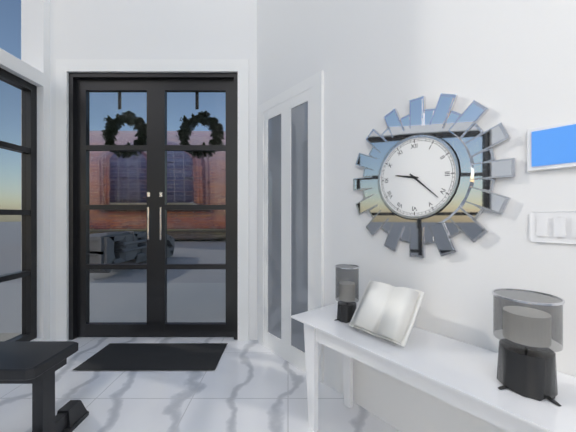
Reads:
9h22
